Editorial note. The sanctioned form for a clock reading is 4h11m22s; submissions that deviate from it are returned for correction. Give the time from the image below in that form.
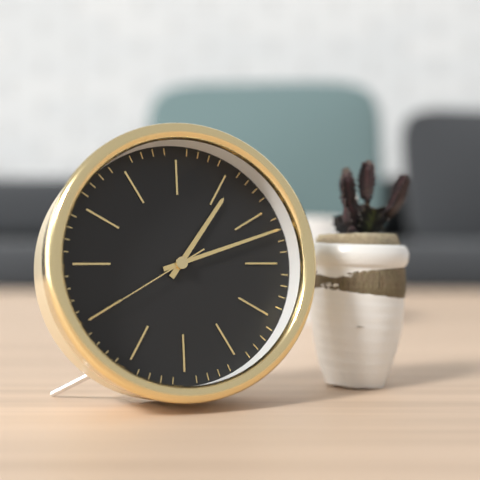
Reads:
1h12m40s
